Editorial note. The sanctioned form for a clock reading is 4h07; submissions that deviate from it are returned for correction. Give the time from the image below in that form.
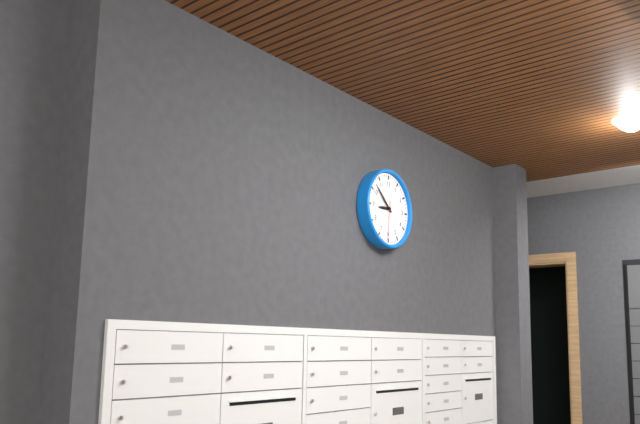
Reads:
8h52
